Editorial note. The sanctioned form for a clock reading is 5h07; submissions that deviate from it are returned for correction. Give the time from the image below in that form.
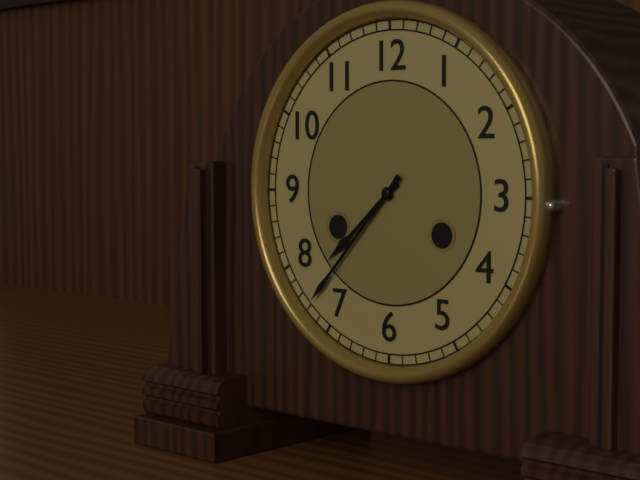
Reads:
7h37
